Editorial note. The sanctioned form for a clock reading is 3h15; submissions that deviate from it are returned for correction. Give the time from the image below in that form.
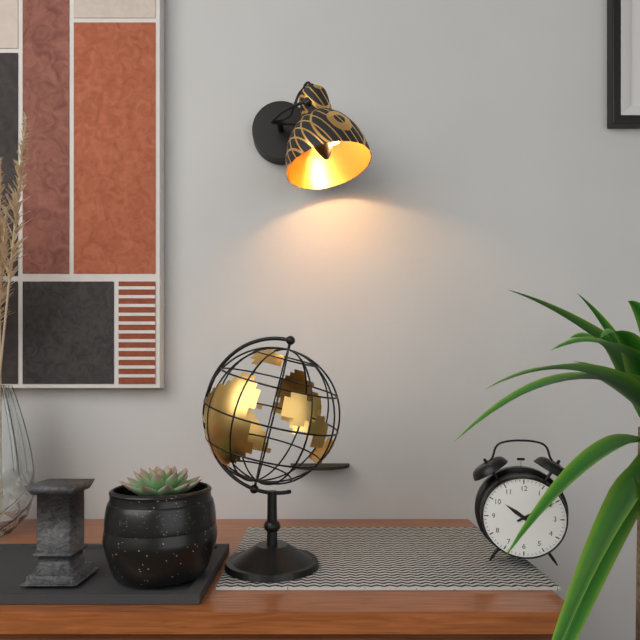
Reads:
10h10
